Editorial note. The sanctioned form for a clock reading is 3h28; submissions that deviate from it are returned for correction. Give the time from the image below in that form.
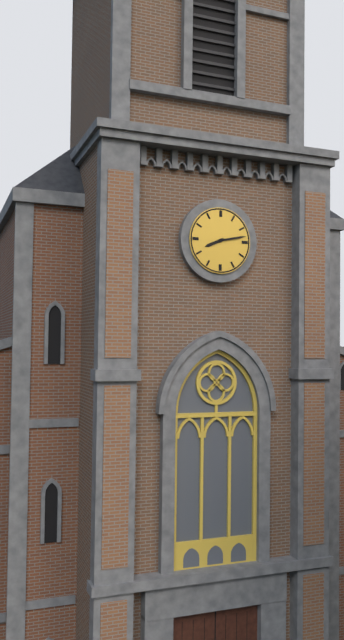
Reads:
8h13
